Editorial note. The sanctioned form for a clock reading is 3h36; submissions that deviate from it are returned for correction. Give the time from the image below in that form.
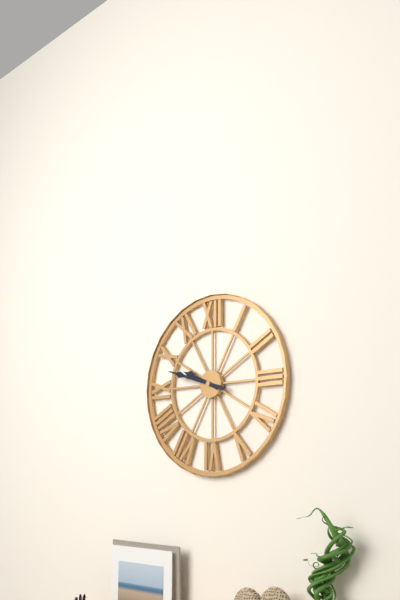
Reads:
9h48
